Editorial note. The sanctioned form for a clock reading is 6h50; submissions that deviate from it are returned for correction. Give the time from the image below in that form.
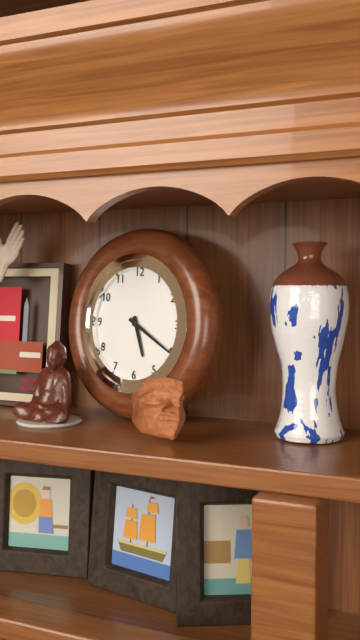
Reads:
5h20
